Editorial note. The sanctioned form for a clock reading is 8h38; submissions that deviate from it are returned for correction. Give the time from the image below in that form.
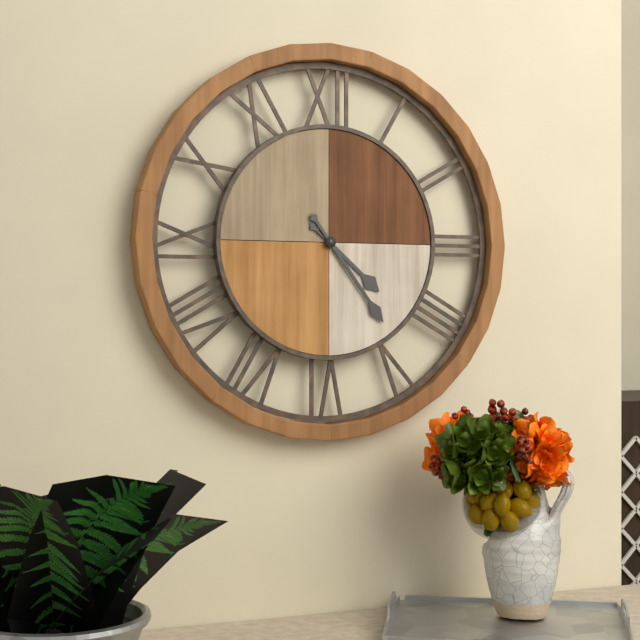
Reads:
4h24
